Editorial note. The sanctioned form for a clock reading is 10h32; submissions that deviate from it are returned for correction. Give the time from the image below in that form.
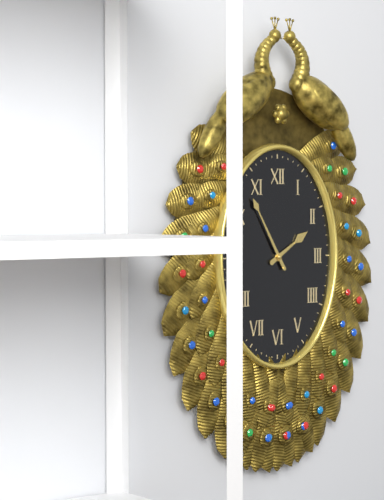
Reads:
1h55
